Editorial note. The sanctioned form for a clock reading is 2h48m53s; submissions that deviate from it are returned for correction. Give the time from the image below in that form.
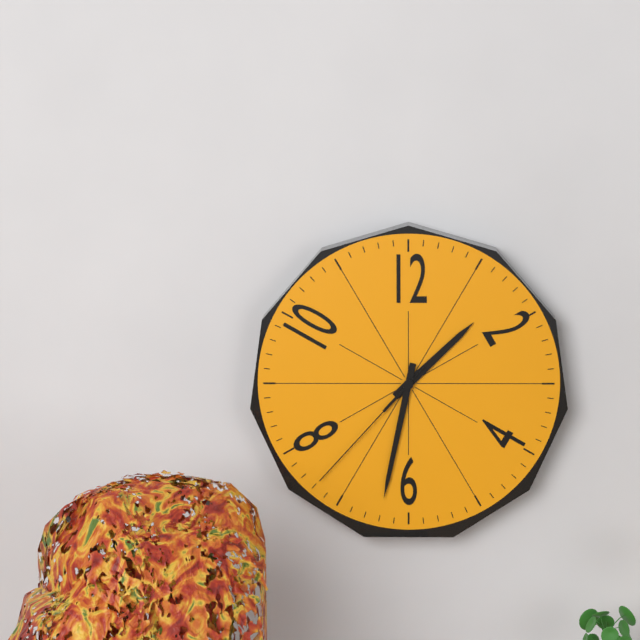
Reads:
1h32m37s
